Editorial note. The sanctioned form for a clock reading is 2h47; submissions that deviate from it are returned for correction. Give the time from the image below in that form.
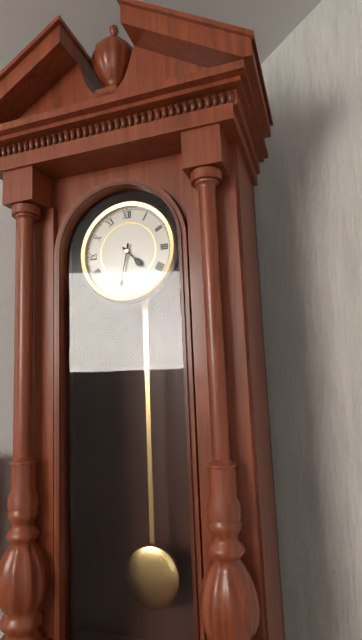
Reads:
4h32
